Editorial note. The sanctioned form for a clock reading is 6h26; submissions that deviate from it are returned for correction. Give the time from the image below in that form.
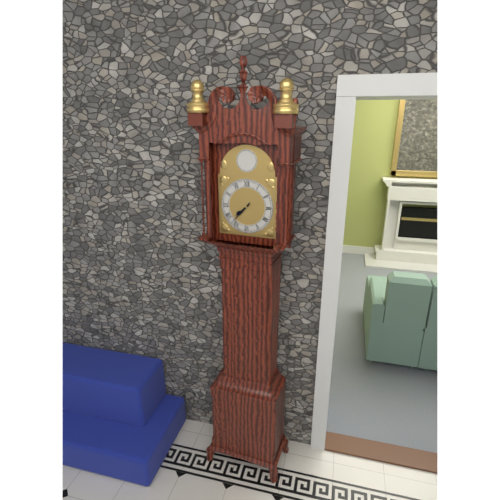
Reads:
7h37
